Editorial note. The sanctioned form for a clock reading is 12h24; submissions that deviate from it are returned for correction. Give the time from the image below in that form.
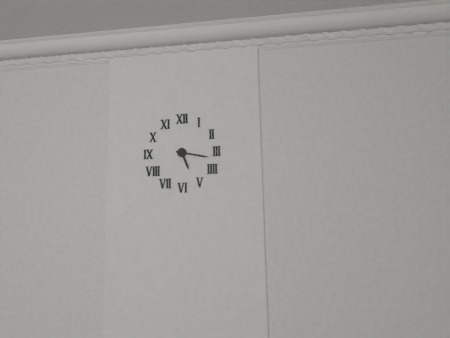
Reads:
5h17
